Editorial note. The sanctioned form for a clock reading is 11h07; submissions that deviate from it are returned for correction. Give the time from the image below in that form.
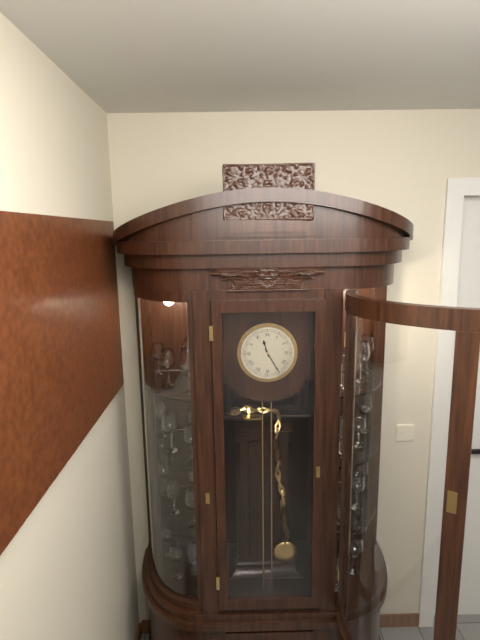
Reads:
11h25
